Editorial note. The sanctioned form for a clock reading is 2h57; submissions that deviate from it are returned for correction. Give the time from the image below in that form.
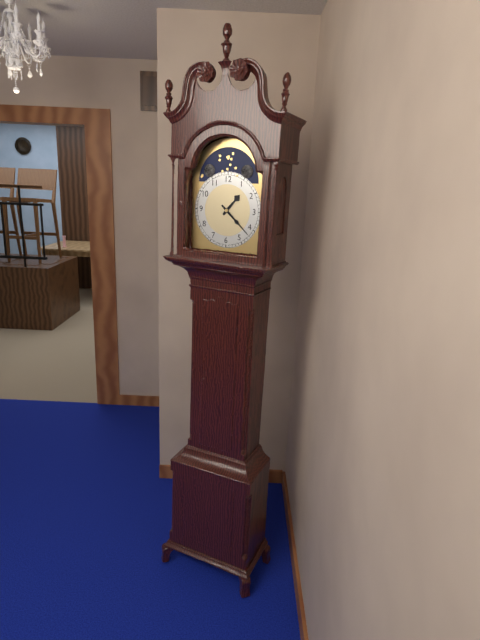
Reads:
1h22
